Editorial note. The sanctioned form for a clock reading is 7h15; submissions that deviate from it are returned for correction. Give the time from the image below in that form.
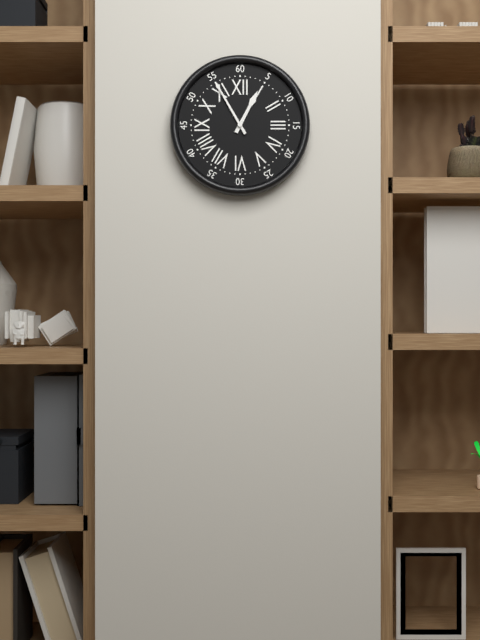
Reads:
12h55
